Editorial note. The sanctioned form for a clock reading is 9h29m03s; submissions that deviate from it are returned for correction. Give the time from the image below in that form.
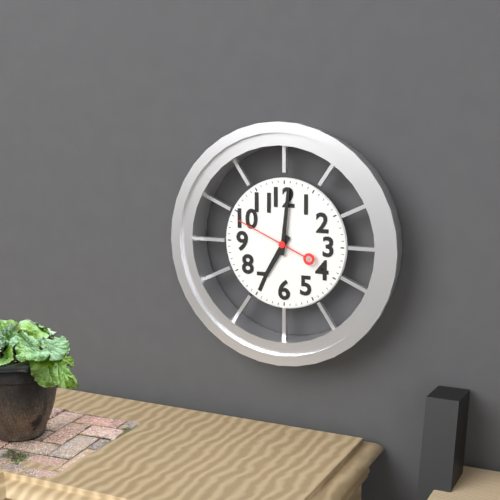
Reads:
7h01m49s
